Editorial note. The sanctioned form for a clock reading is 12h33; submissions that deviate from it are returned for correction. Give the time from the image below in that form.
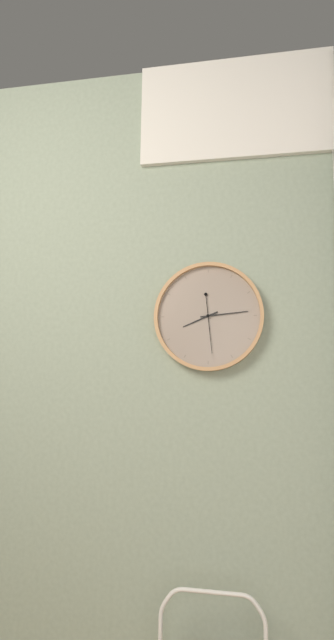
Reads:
8h14
